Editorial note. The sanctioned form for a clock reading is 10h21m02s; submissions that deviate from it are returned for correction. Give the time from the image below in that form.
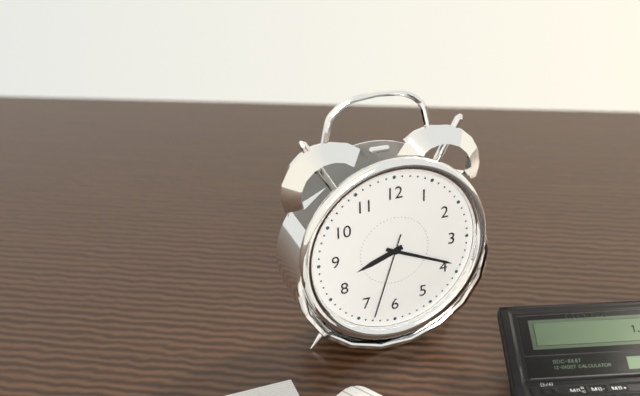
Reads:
8h19m33s
